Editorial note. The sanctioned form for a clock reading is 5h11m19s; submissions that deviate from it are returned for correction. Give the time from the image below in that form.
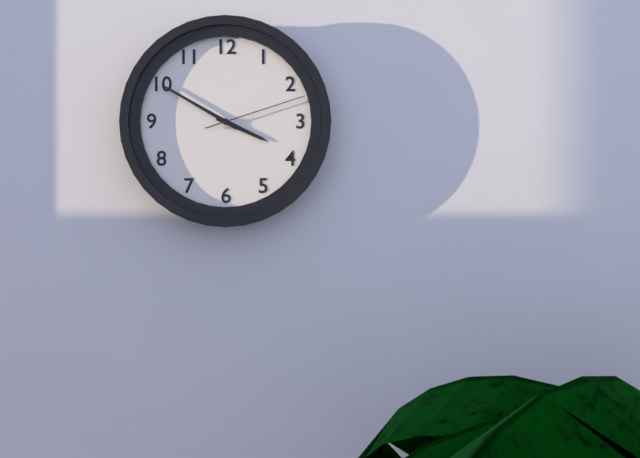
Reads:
3h50m12s
